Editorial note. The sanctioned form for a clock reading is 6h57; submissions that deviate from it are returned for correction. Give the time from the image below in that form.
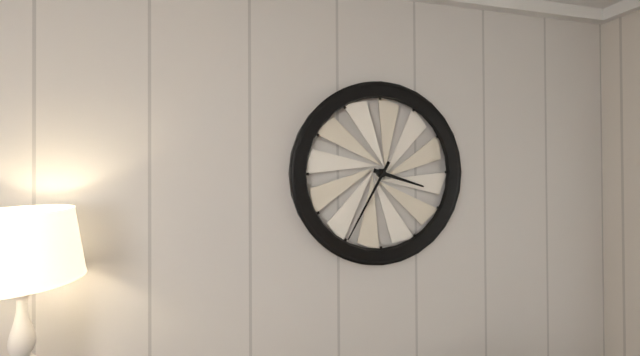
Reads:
3h35
